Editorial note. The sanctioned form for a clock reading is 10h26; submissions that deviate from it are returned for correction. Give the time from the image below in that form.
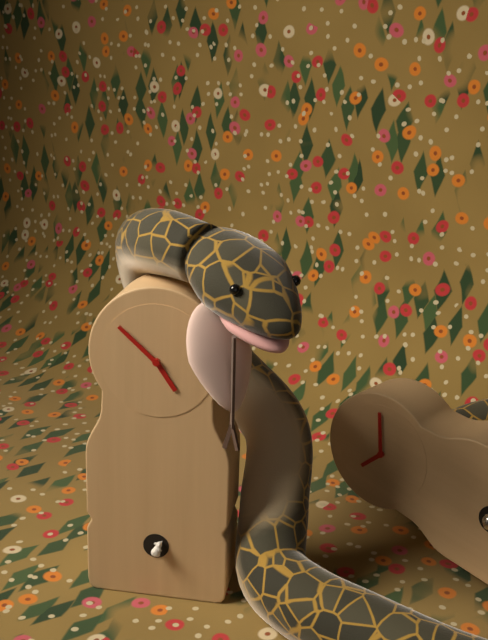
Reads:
4h52
